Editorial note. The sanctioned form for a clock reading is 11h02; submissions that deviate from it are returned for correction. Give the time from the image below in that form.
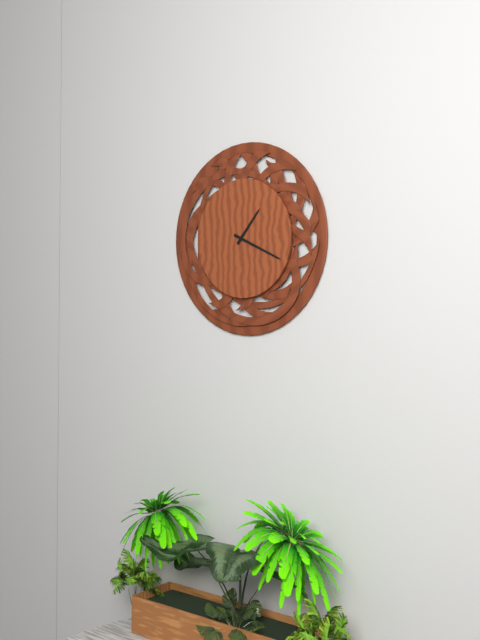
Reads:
1h19
